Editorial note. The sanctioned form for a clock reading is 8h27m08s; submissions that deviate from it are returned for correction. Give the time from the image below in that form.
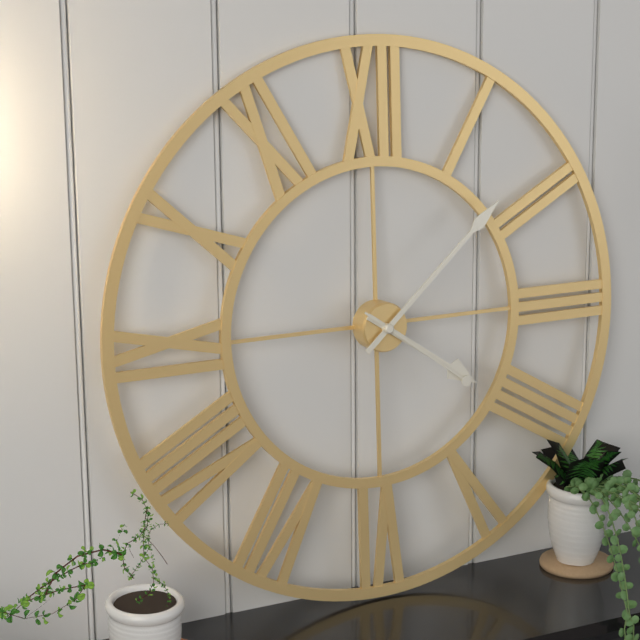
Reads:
4h08m21s
